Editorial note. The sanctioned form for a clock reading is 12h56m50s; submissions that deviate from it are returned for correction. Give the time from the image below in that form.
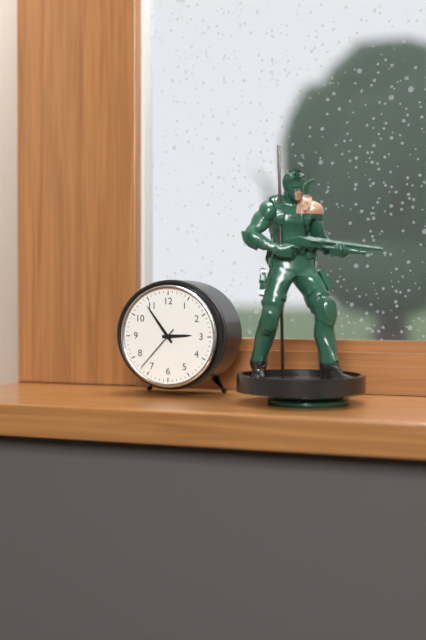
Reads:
2h54m37s
